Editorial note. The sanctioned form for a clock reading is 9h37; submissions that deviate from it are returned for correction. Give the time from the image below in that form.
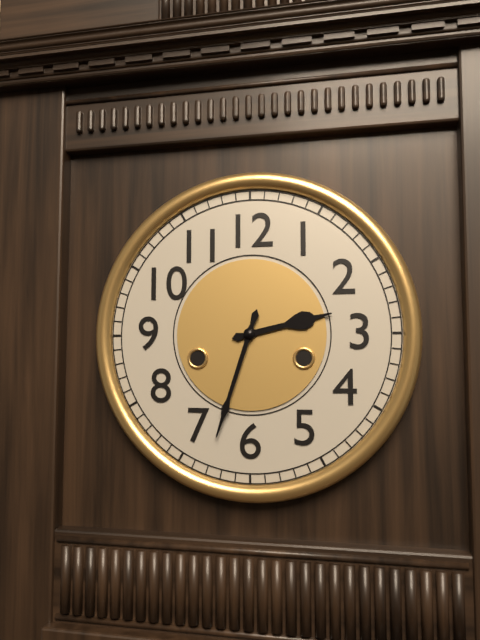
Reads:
2h33
